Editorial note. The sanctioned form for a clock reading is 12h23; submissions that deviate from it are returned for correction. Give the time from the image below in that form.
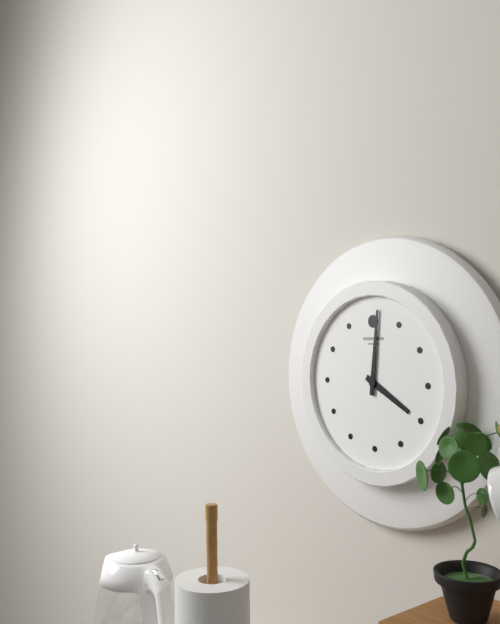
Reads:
4h01
